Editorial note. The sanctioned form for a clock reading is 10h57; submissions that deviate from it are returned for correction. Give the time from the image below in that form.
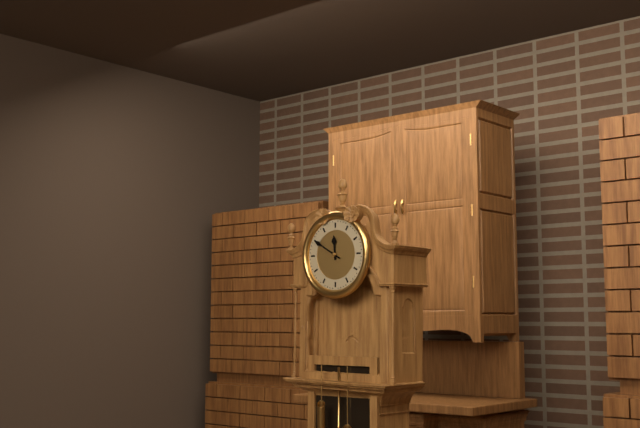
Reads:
11h50
